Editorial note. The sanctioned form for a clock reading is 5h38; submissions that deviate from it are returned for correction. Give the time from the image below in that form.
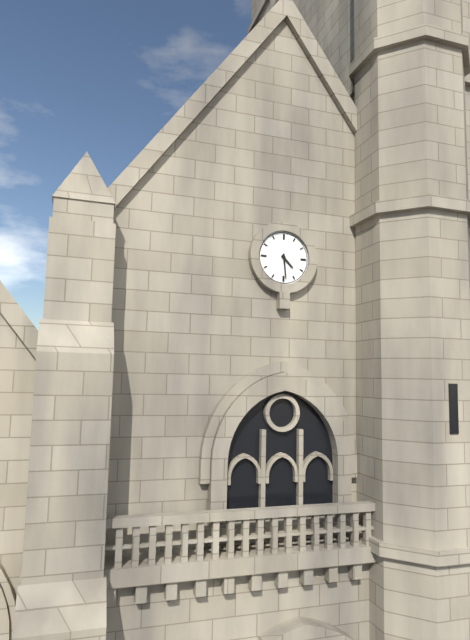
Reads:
4h29
